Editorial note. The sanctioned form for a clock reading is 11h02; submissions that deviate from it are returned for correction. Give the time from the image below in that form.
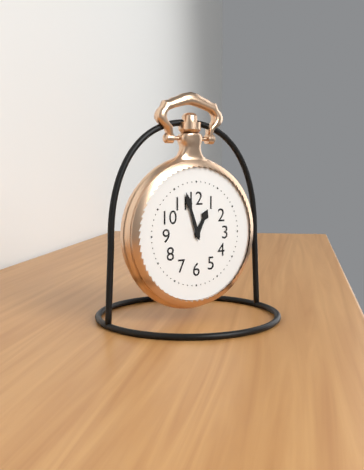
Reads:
12h57
